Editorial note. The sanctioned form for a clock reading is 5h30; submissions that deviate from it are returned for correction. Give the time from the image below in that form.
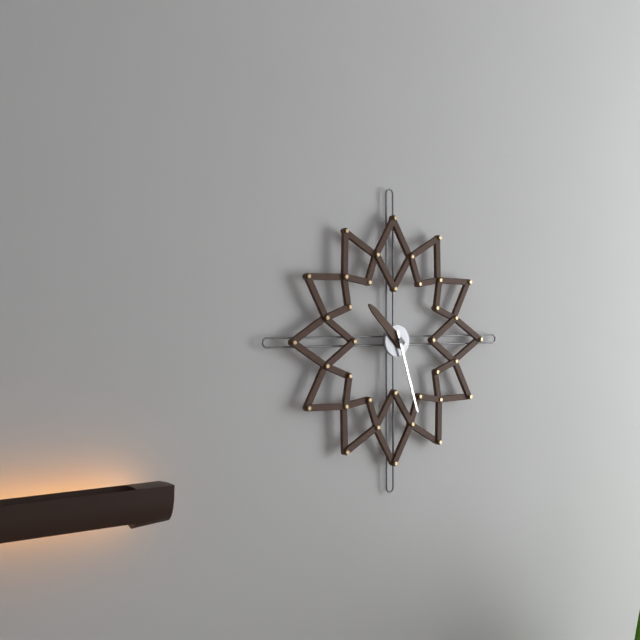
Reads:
10h27
